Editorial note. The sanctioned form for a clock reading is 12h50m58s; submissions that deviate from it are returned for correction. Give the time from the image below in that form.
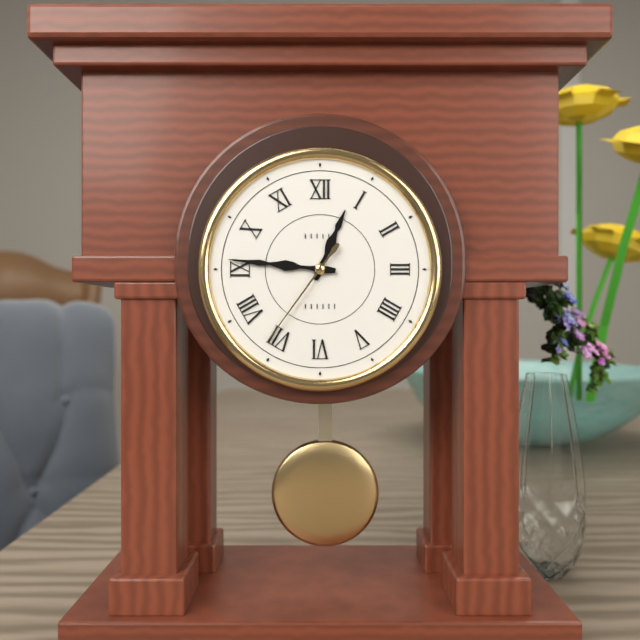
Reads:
12h46m36s
